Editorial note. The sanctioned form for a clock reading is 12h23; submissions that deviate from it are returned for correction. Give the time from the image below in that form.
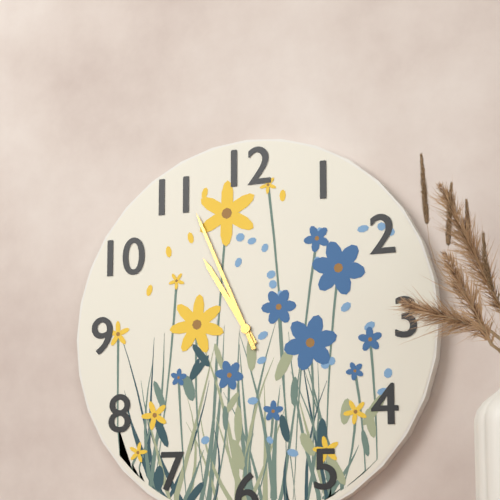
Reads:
10h56
